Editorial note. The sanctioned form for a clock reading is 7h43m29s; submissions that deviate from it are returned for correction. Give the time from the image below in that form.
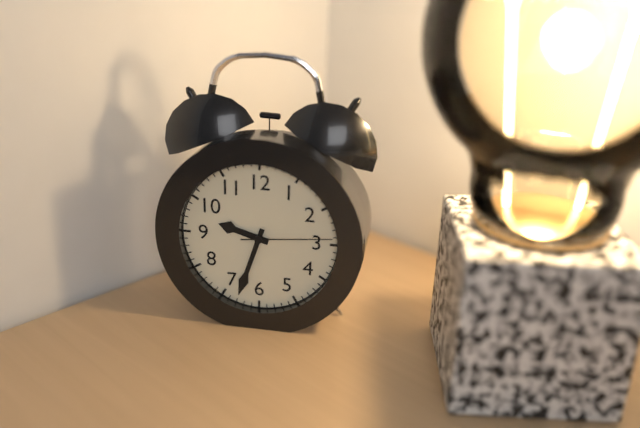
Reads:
9h33m14s
